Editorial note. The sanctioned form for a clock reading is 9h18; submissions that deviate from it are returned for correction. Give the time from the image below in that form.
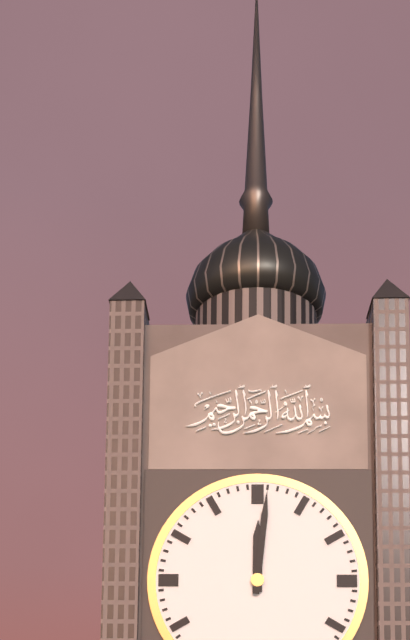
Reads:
12h01
